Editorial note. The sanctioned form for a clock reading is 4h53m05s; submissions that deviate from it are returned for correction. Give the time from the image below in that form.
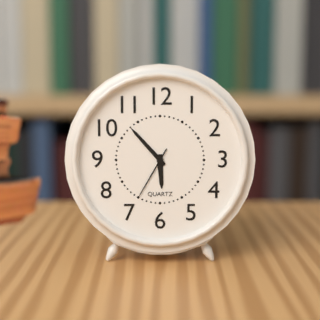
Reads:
5h53m35s
